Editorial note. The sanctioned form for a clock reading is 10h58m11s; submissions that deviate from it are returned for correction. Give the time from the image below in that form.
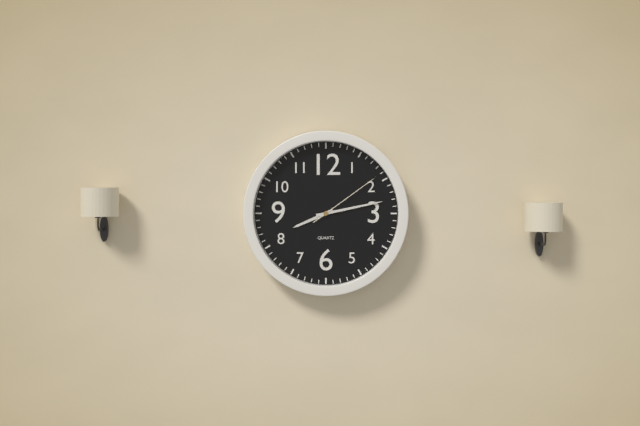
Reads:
8h13m09s
